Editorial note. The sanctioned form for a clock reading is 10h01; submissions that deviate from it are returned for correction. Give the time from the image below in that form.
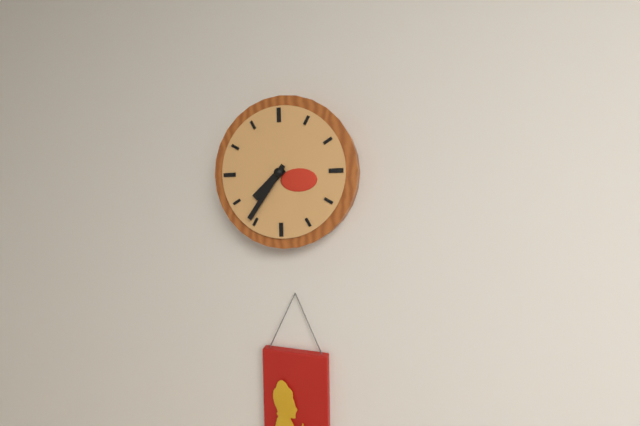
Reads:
7h36
